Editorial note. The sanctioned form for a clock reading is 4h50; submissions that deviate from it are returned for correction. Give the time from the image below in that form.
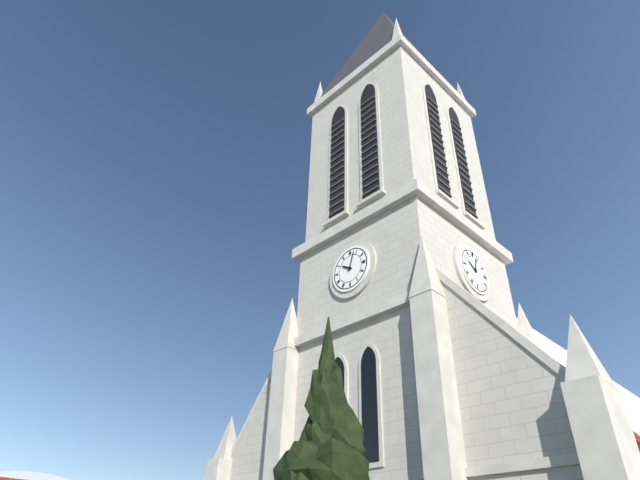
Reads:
10h03
